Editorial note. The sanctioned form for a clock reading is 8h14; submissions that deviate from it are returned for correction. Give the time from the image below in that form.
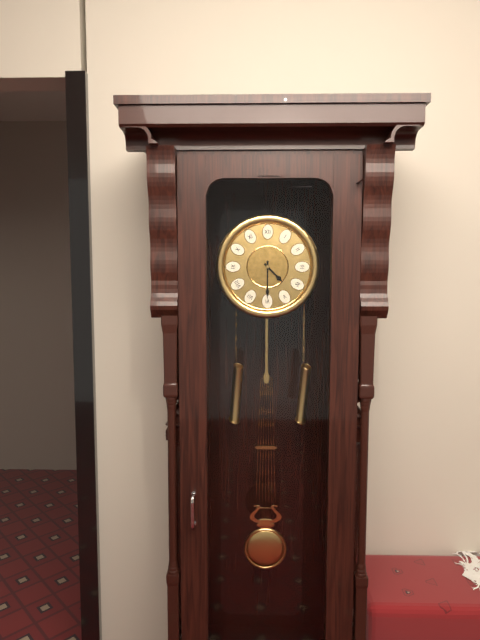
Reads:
4h30
